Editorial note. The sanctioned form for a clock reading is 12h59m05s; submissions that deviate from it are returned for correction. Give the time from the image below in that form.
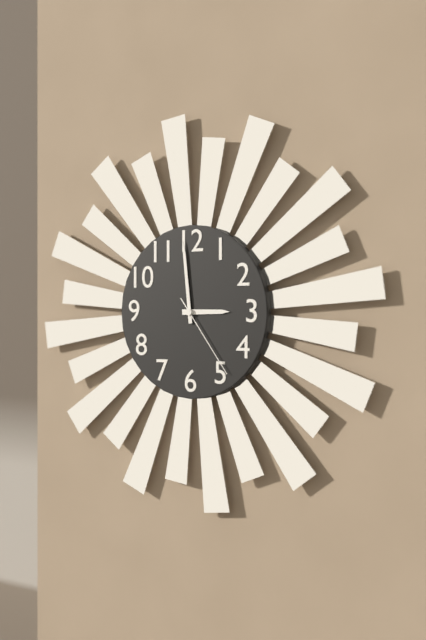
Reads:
2h59m24s
